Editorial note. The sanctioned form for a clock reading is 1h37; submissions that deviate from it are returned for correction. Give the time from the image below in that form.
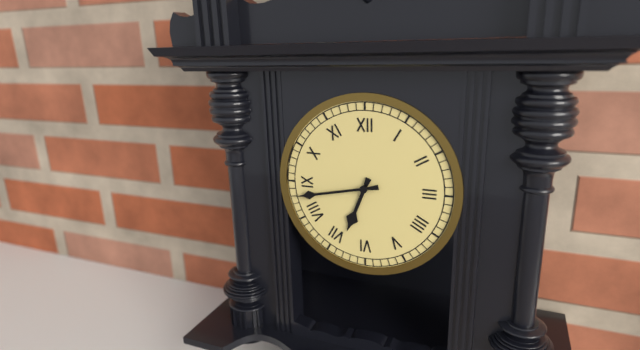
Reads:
6h43
